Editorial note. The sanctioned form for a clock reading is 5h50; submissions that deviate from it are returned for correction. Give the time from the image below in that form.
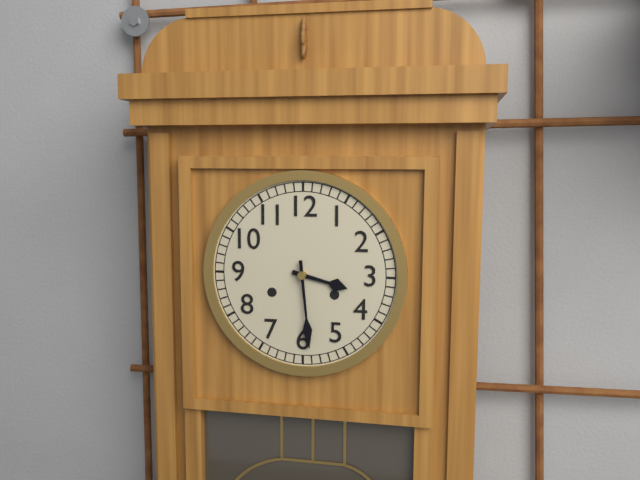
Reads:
3h29
